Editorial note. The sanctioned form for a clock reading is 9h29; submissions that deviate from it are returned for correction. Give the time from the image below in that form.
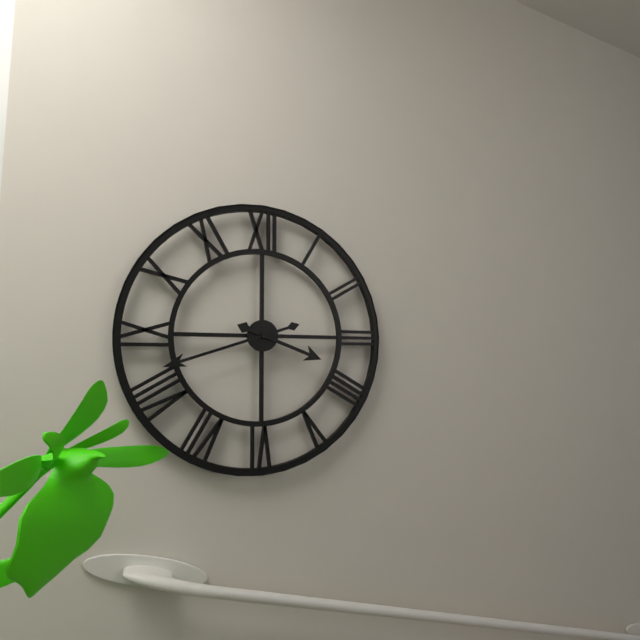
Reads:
3h42
